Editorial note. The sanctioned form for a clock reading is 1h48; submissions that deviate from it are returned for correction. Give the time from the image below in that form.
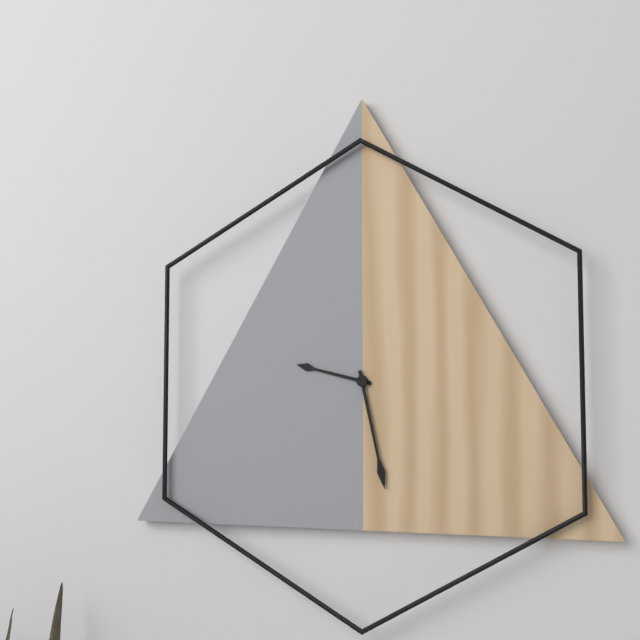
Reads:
9h28
